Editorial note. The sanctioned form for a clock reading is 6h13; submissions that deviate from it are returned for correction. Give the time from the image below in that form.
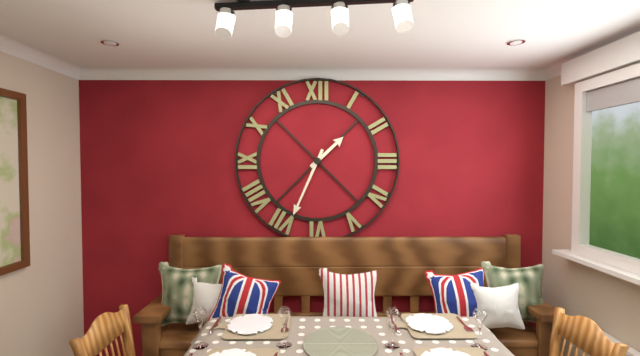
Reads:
1h34
